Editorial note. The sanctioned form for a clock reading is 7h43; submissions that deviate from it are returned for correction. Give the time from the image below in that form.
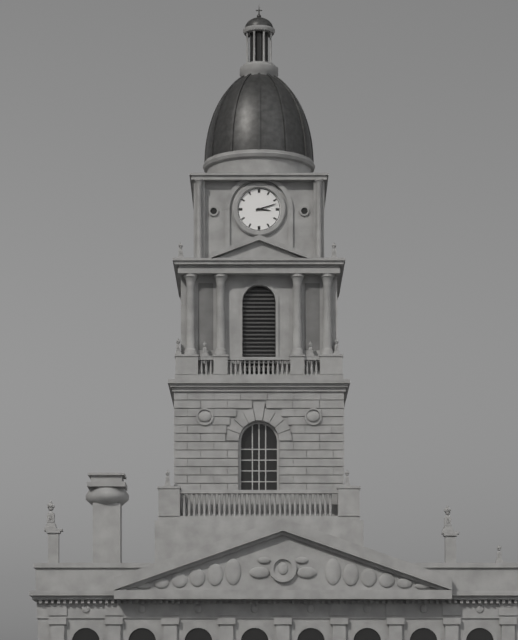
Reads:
3h12
